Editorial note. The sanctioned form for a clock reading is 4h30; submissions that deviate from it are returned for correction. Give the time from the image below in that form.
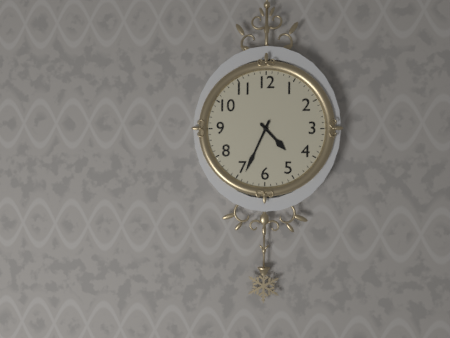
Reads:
4h34
